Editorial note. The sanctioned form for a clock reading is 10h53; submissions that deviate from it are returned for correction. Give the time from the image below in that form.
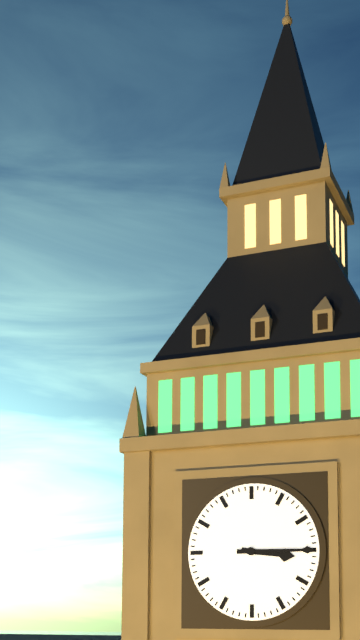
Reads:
3h15
